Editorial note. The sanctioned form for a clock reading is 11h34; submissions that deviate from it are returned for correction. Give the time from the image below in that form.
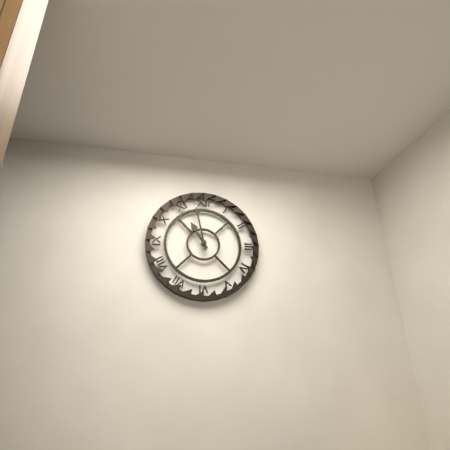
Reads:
10h58
